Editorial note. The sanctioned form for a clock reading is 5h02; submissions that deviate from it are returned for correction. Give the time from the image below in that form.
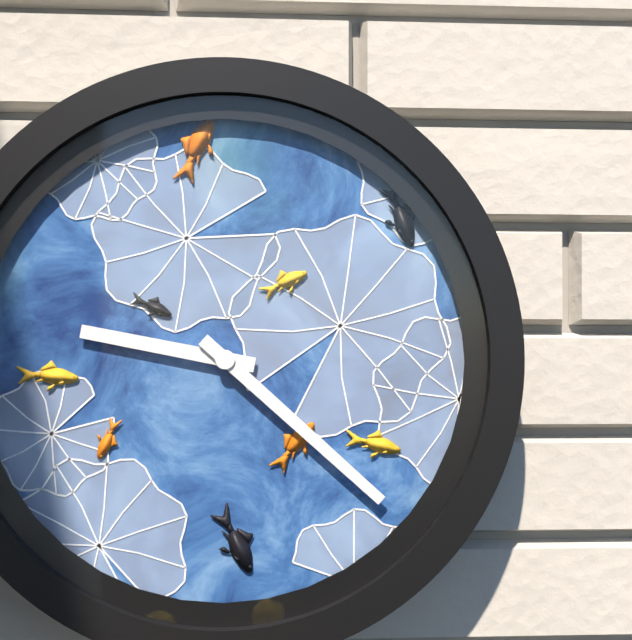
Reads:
9h22
